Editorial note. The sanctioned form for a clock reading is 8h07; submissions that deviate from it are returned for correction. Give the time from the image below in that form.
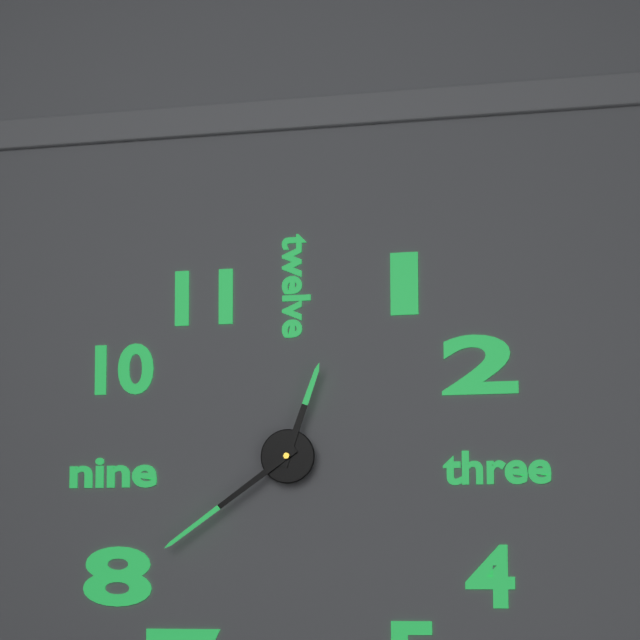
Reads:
12h39
